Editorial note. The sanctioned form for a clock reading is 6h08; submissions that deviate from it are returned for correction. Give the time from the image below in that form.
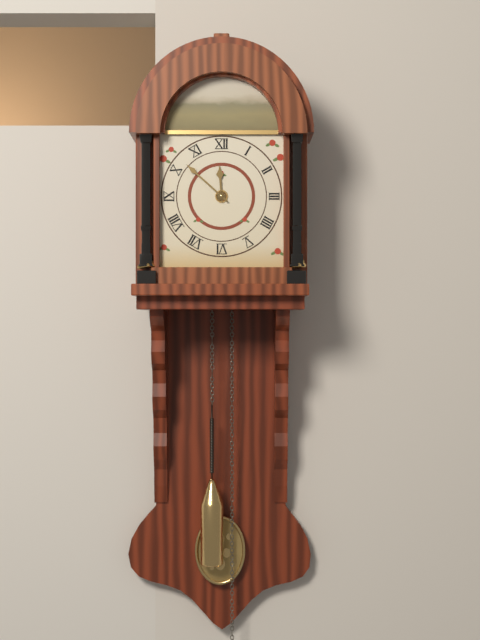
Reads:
11h52
